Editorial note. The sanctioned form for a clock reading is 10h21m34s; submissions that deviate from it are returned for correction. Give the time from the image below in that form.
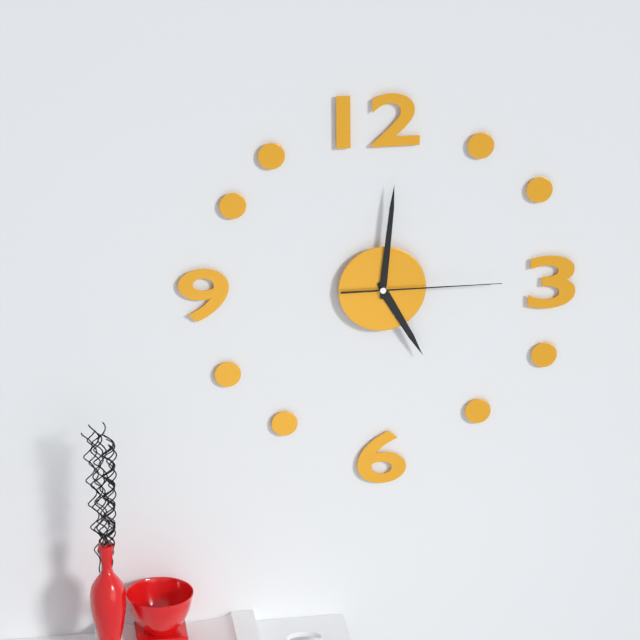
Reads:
5h01m15s
